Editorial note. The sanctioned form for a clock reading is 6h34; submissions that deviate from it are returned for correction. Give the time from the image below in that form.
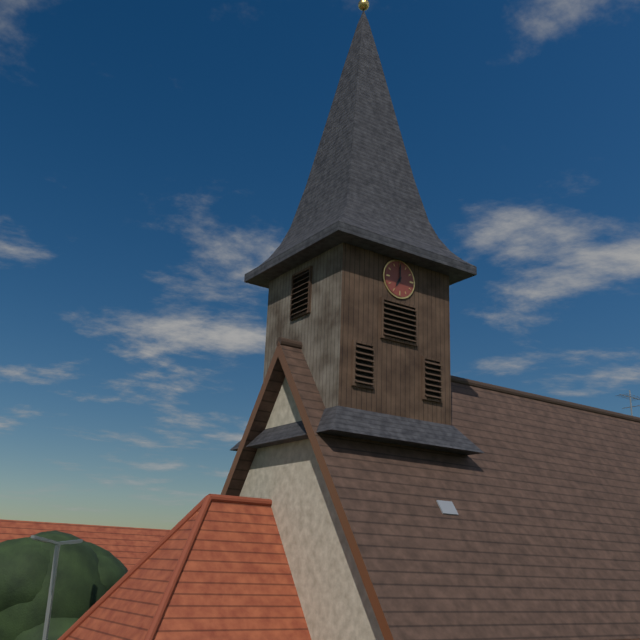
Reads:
7h00
